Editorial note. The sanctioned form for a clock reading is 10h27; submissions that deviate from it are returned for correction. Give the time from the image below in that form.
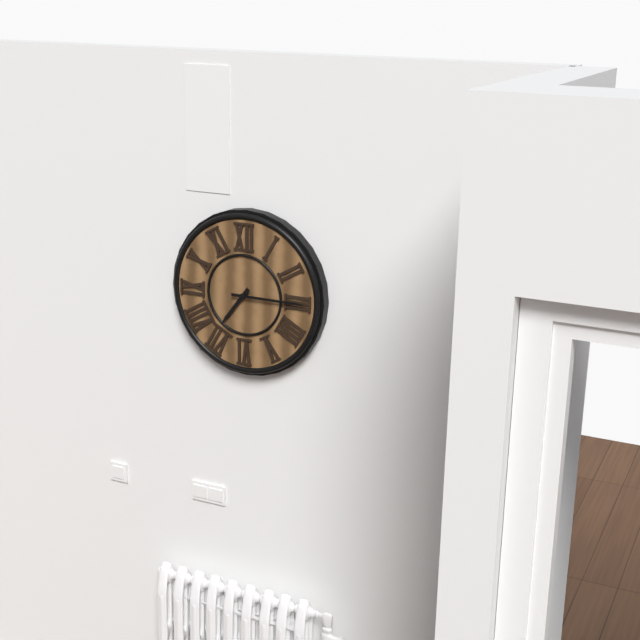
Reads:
7h15
